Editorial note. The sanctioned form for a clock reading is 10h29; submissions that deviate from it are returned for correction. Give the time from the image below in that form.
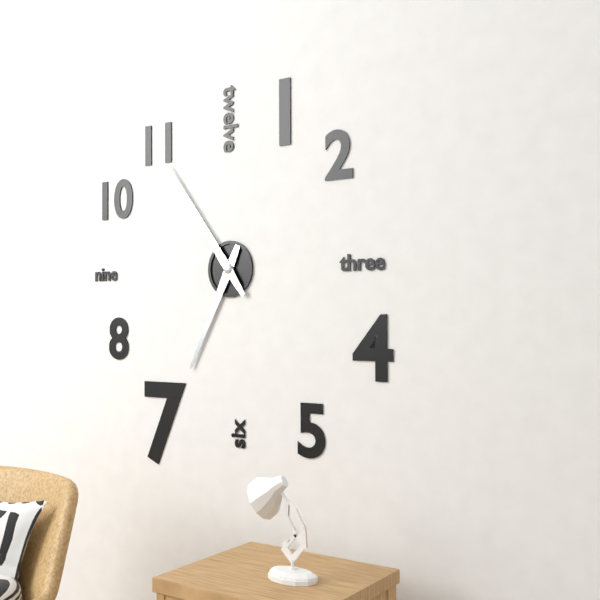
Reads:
6h54
